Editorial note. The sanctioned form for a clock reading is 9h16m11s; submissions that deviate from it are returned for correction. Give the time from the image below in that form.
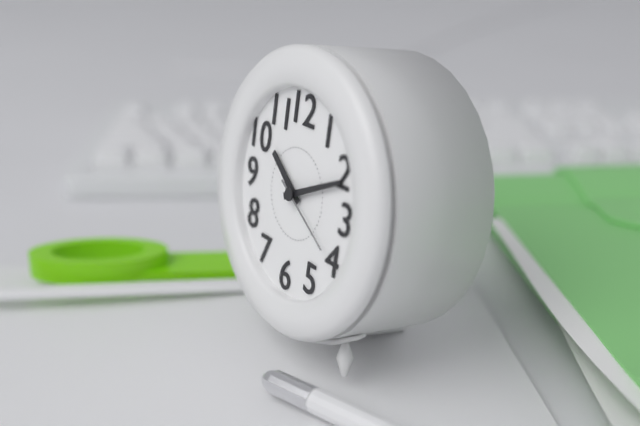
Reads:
10h11m20s
